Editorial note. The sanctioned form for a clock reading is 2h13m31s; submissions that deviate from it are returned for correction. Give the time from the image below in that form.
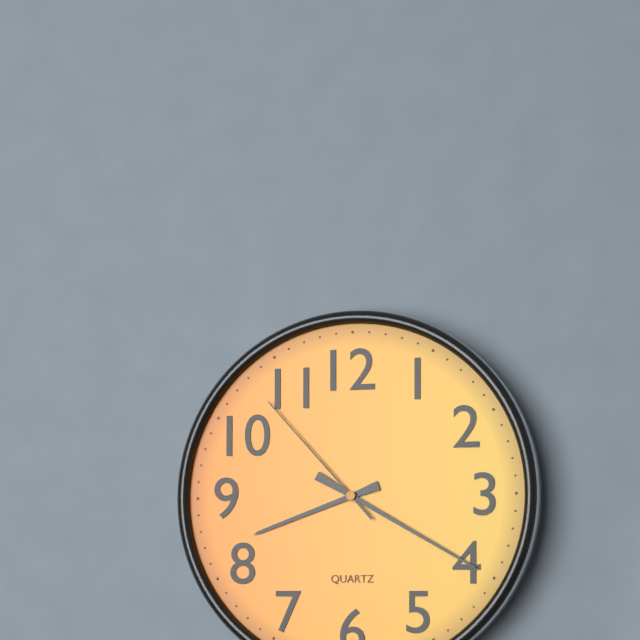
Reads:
8h20m53s
